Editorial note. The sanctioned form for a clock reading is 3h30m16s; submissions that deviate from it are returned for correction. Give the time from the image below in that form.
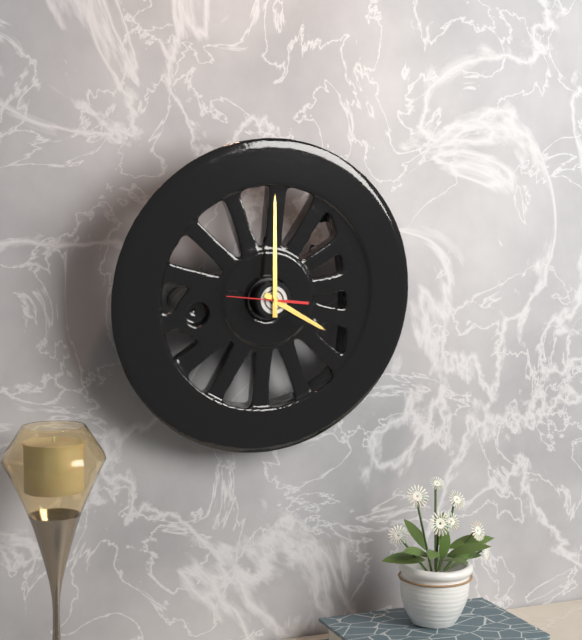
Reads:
4h00m46s
